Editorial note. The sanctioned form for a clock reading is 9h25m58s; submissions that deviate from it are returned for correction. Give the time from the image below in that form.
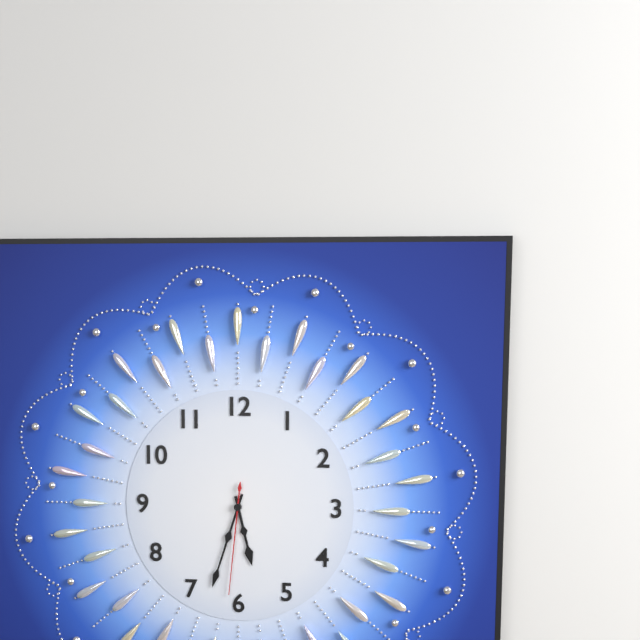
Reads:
5h33m31s
